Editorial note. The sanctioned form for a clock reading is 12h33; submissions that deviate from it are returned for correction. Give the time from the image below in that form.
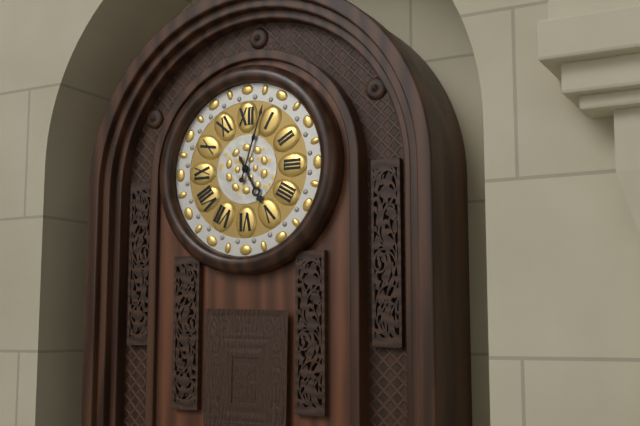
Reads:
5h03
